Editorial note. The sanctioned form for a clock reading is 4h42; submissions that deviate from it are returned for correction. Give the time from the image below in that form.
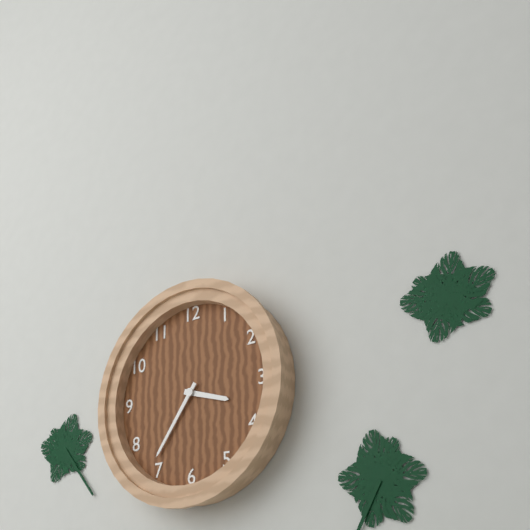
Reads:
3h36
